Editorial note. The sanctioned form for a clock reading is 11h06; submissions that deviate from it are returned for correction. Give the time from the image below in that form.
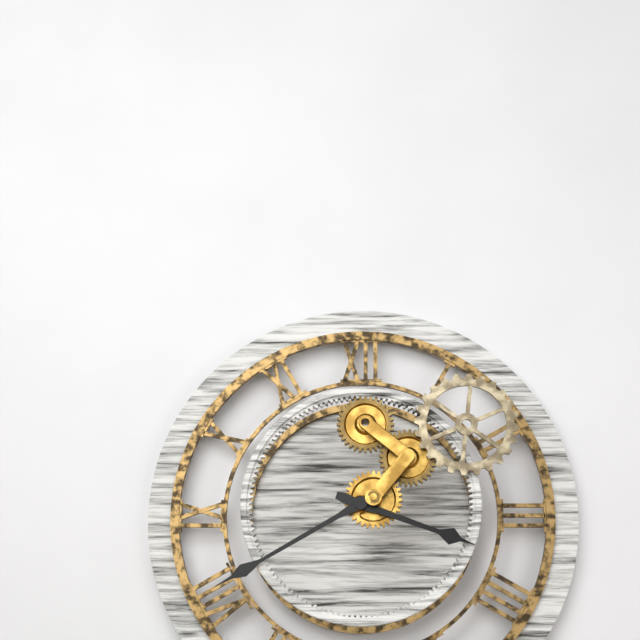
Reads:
3h40
